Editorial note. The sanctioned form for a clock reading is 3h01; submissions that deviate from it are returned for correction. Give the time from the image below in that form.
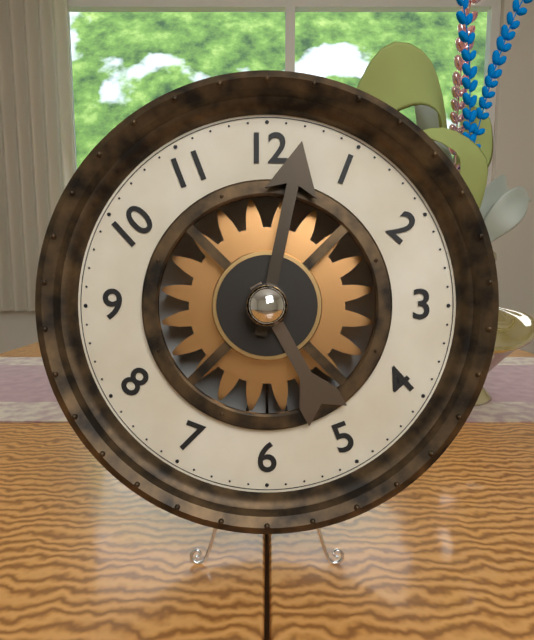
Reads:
5h02
